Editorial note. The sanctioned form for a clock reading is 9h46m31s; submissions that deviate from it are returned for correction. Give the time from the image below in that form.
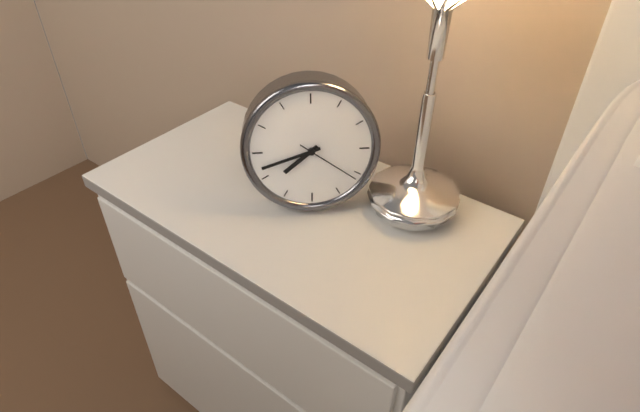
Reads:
7h42m21s
